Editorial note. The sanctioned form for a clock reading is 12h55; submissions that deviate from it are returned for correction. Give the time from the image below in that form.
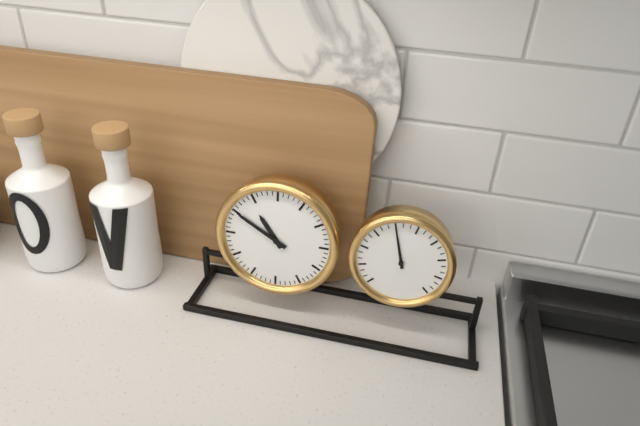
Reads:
10h50
